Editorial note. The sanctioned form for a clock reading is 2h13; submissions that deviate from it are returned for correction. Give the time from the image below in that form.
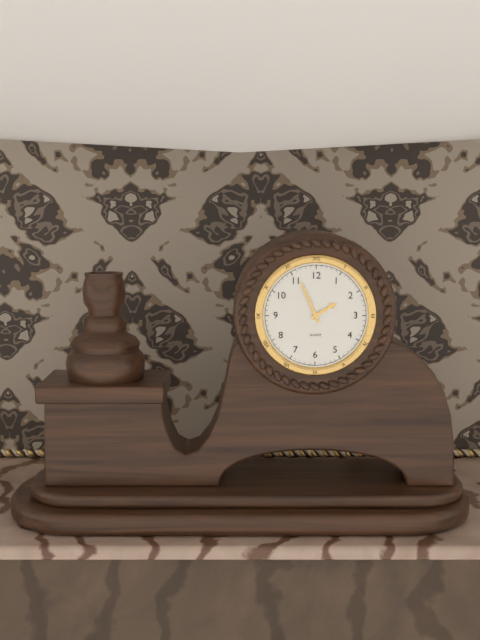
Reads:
1h56
